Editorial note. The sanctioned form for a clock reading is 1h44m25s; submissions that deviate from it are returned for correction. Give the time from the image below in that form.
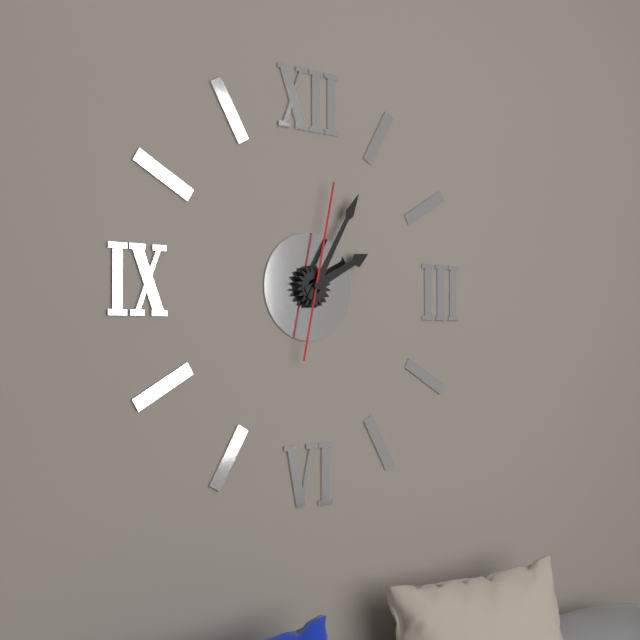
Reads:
2h05m02s
